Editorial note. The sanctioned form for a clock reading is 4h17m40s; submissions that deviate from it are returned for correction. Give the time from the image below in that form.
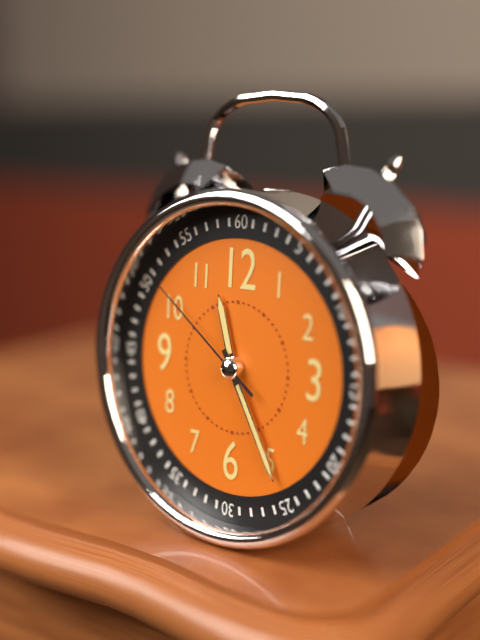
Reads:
11h25m51s
